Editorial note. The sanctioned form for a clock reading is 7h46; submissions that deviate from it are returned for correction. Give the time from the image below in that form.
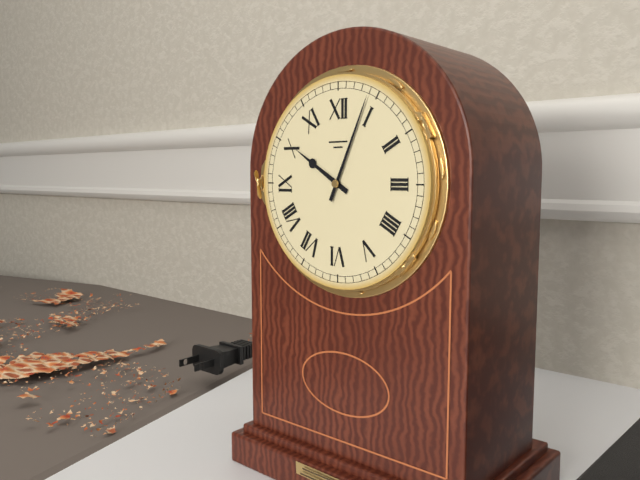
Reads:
10h04
